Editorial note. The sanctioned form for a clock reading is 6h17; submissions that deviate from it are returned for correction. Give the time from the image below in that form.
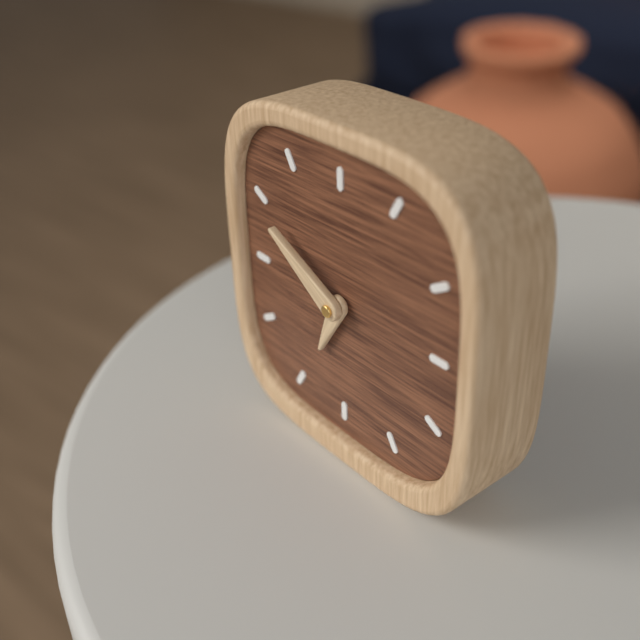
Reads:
6h50
